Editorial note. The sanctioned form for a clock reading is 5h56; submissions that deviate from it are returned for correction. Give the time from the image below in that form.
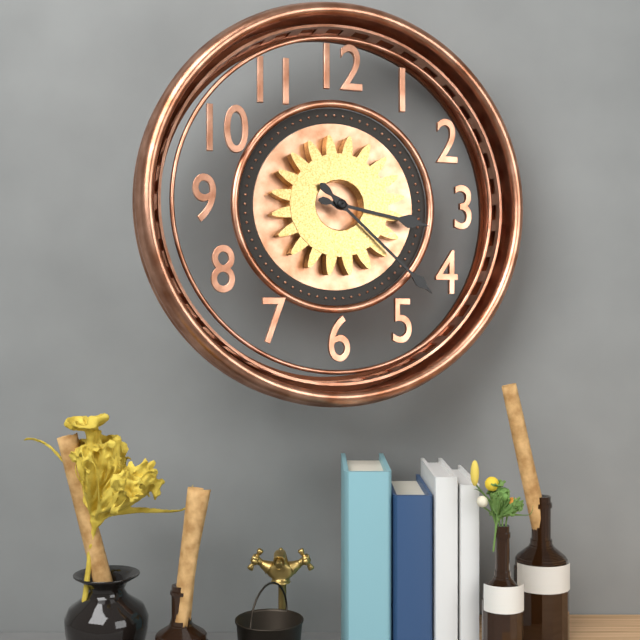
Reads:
3h22
